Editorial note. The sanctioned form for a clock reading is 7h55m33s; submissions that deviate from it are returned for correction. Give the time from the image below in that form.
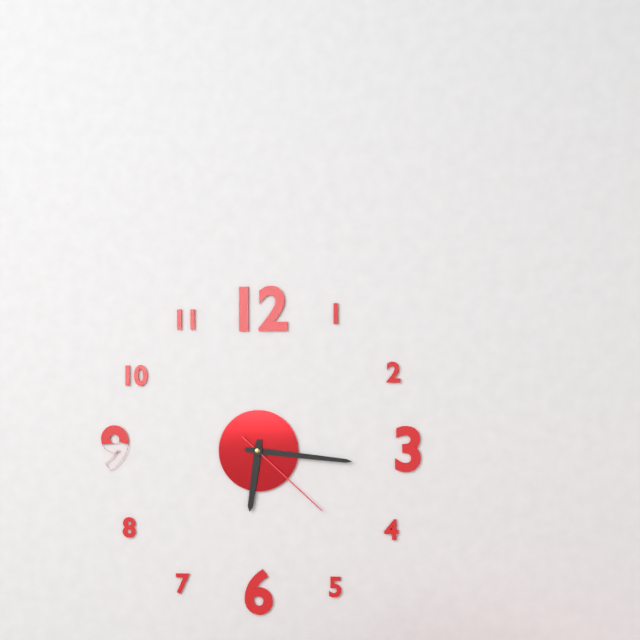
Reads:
6h16m22s
